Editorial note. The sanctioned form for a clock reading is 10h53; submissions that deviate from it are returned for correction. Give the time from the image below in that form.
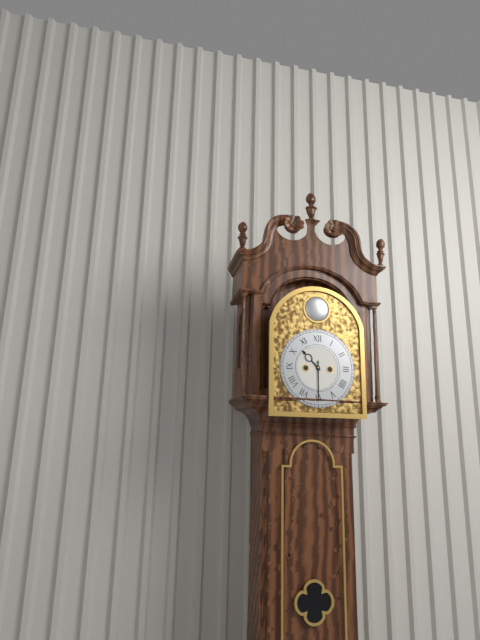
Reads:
10h30
